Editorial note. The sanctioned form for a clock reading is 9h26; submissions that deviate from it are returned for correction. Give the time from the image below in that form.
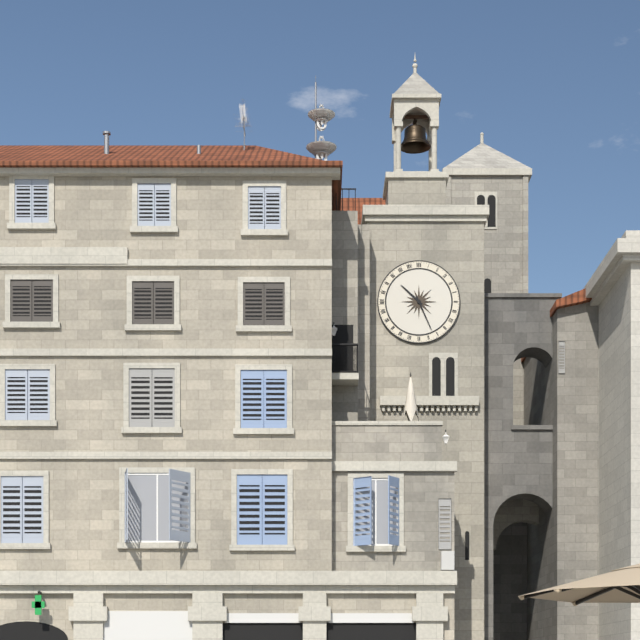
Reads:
10h26
